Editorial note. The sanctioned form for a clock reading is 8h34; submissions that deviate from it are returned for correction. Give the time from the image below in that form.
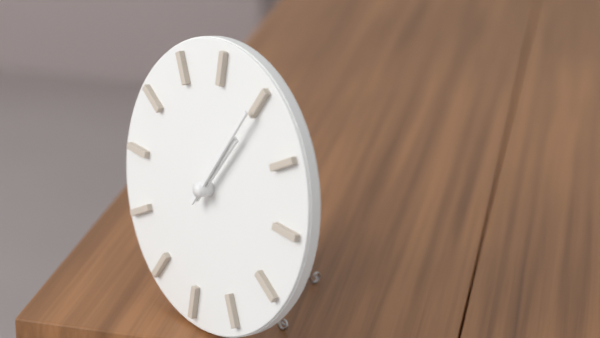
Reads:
1h05
